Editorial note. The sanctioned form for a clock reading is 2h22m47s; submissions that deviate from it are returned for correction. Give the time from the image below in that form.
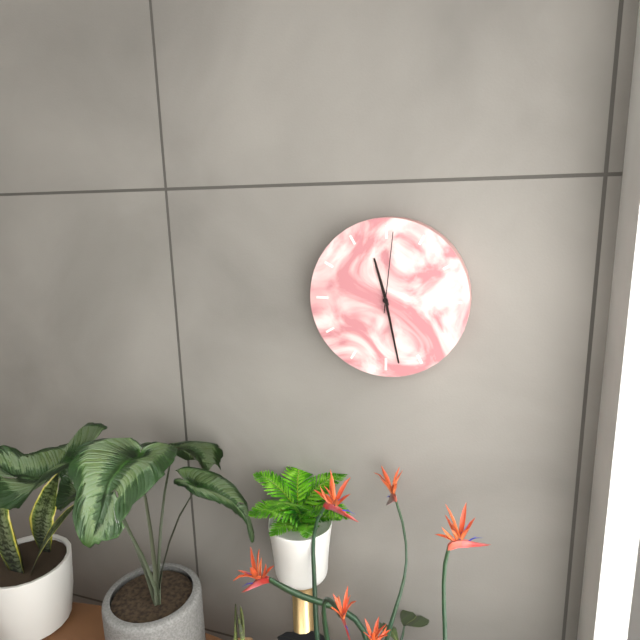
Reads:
11h28m01s
